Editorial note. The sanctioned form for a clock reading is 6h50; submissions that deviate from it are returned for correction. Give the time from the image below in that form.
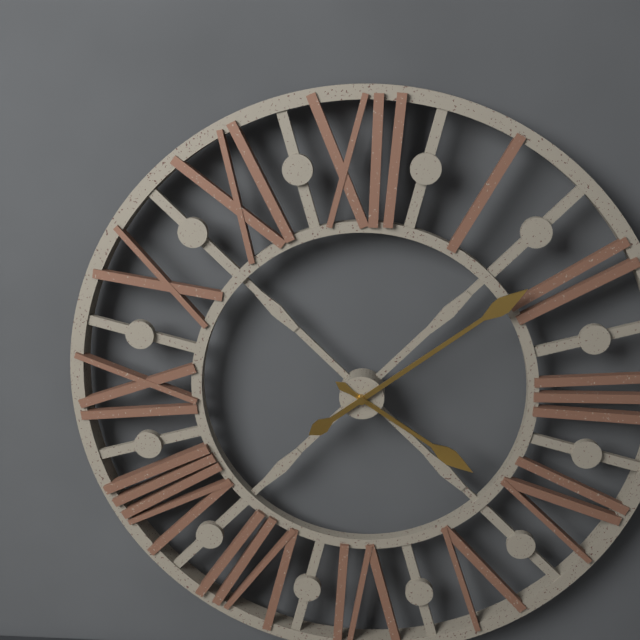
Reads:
4h09
